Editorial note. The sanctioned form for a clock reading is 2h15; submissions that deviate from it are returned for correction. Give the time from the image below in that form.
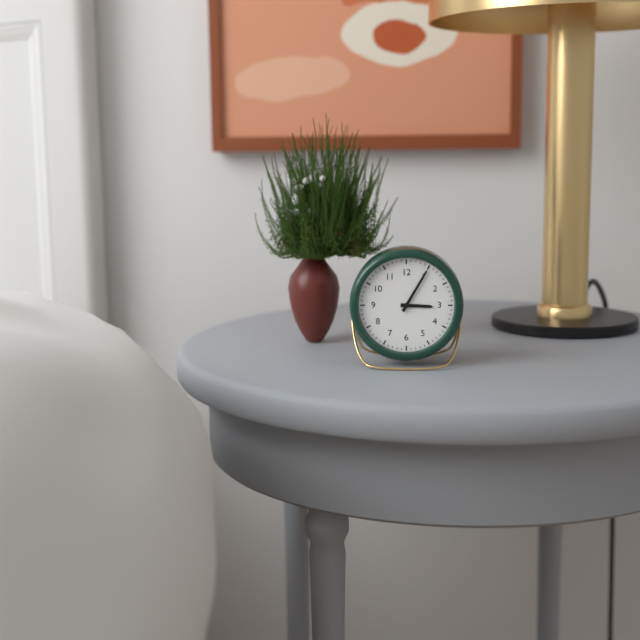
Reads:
3h05
